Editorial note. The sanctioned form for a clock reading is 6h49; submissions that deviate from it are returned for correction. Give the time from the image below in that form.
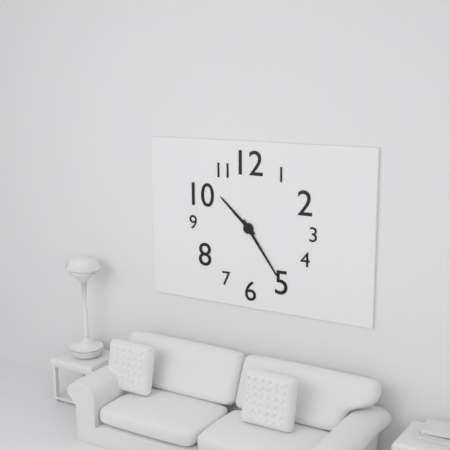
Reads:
10h24
